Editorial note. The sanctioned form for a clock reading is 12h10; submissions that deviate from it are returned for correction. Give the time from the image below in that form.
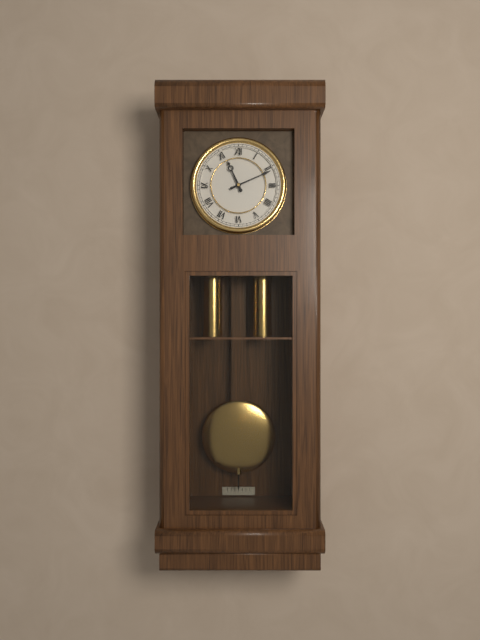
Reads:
11h11
